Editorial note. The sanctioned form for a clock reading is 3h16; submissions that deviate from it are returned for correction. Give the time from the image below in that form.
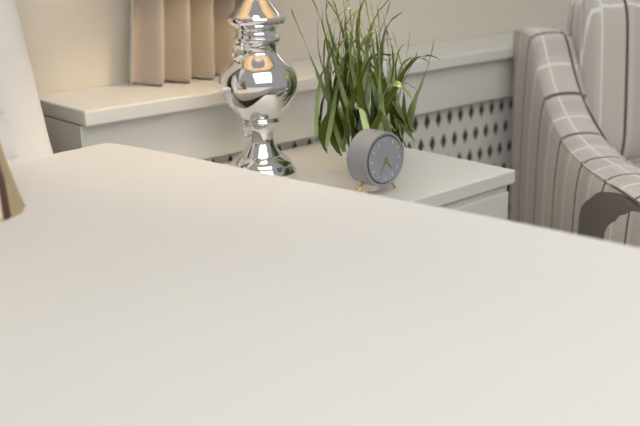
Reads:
4h35
